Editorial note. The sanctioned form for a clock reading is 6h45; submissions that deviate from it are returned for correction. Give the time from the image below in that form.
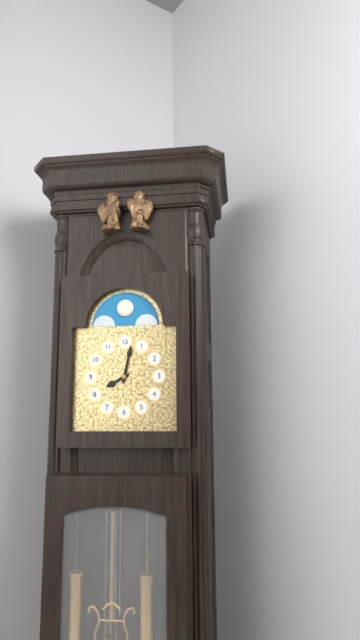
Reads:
8h02
